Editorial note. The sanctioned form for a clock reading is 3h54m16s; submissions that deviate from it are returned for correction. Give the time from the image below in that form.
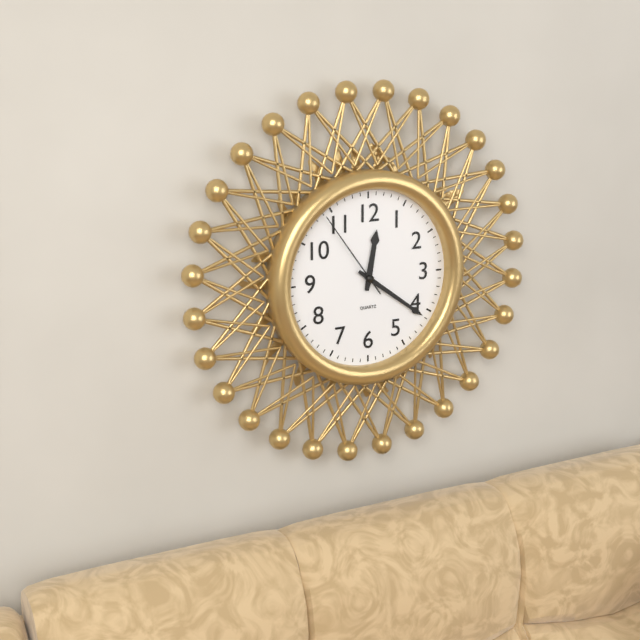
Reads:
12h21m54s
